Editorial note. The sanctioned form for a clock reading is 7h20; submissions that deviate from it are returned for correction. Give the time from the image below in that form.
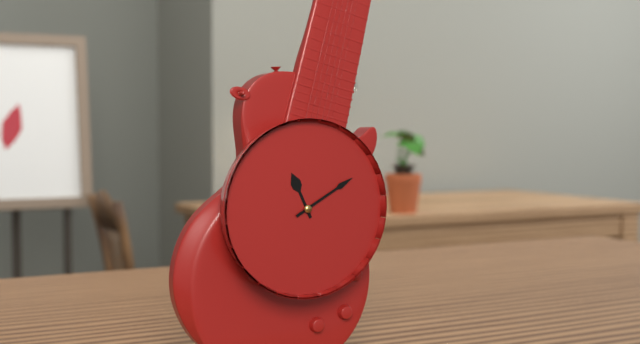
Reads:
11h10
